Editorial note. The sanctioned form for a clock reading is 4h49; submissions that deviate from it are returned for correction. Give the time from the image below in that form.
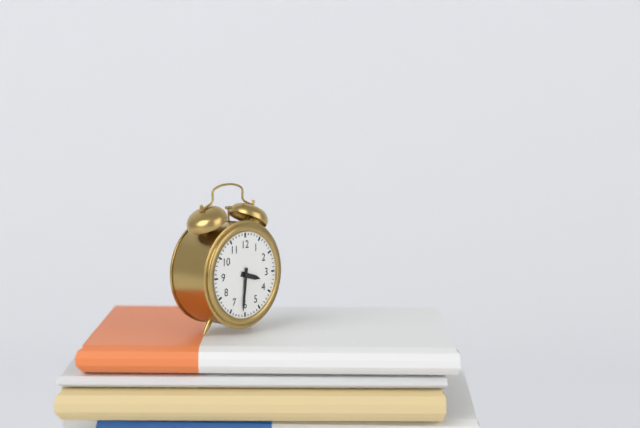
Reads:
3h31
